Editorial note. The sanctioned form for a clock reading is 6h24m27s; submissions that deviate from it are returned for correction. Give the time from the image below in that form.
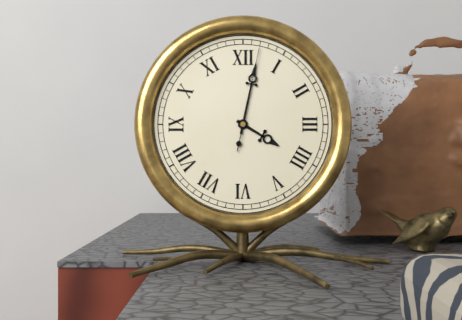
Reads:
4h02m02s
